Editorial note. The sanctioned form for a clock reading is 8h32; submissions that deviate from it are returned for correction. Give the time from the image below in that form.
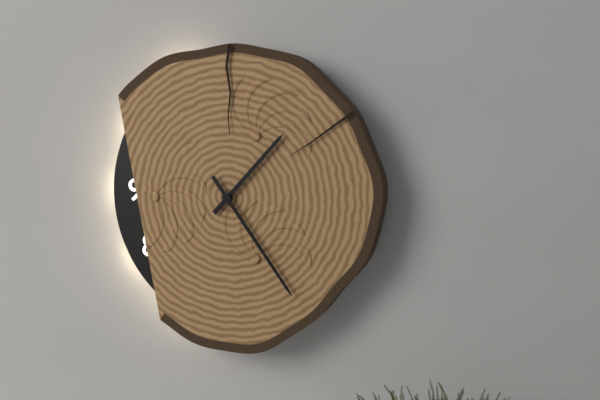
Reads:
1h24
